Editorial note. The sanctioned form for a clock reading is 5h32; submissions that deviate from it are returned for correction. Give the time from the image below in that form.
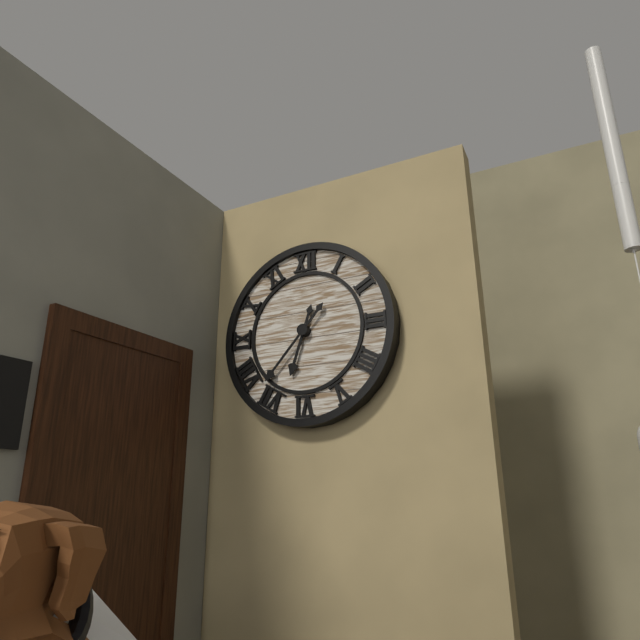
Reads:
6h37
